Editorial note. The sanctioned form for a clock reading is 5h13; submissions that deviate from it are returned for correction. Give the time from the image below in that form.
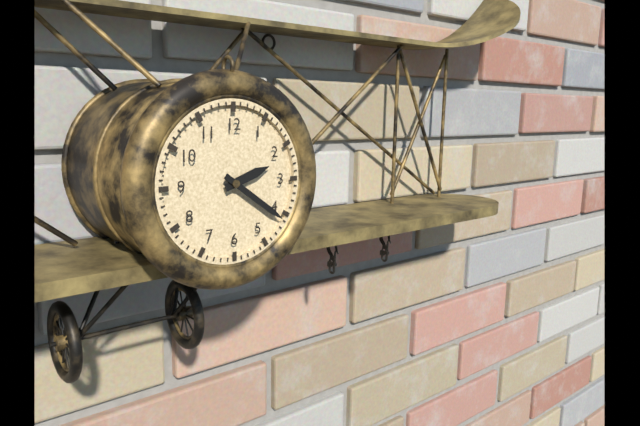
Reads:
2h21
